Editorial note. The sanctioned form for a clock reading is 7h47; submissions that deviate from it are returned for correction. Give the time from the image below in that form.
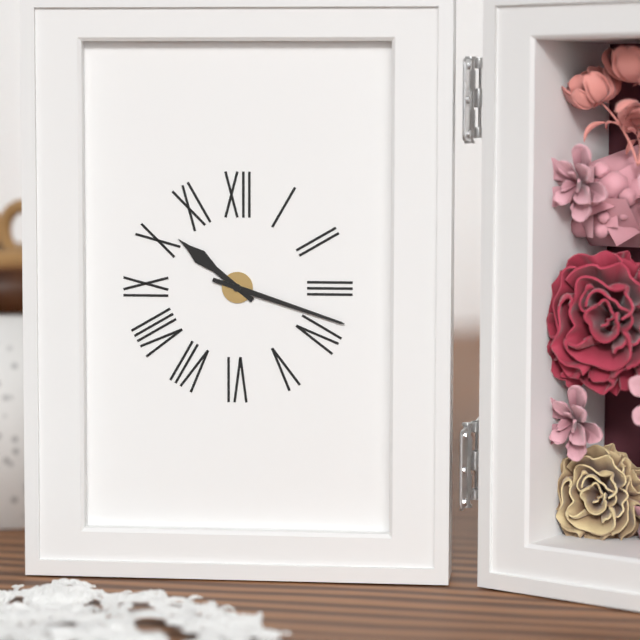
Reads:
10h18
